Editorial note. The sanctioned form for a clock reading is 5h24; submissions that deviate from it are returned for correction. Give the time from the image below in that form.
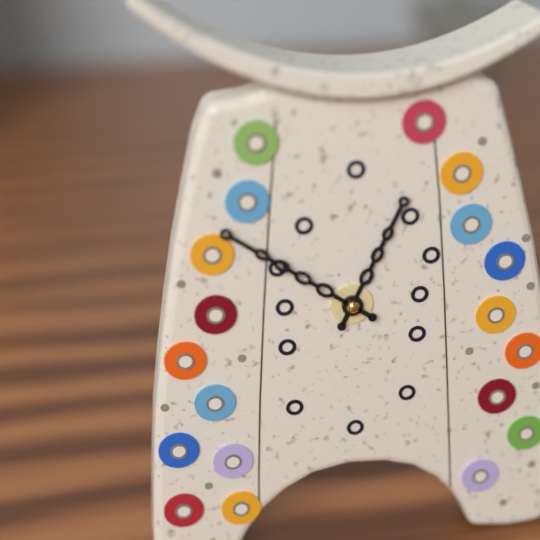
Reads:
12h51
